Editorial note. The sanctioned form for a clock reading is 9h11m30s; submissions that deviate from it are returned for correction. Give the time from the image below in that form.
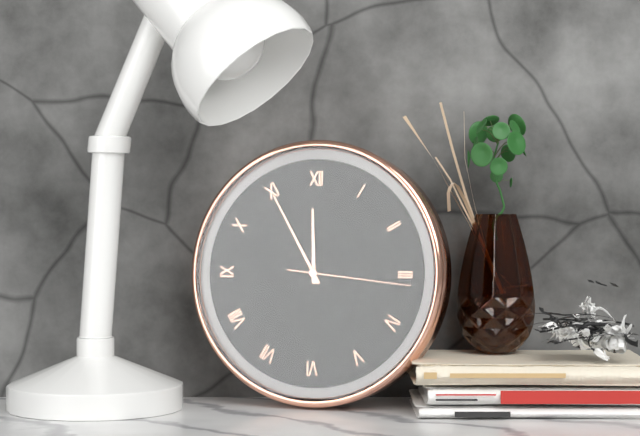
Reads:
11h55m16s
